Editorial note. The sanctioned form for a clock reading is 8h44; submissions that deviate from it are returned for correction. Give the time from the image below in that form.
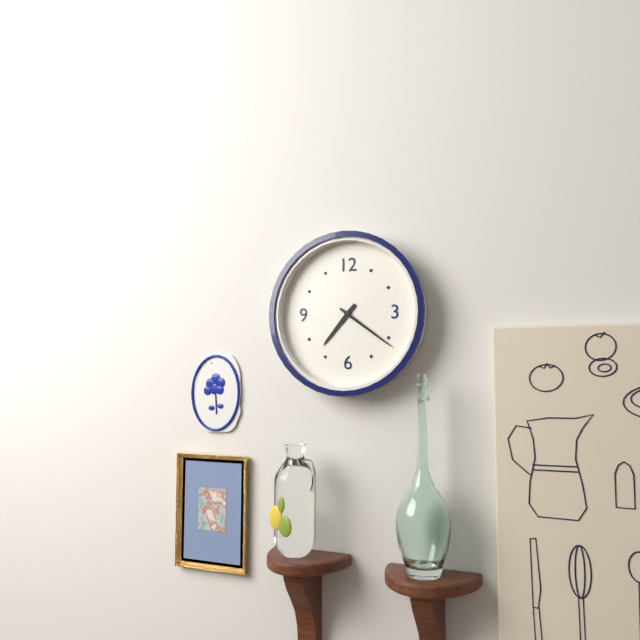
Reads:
7h21
